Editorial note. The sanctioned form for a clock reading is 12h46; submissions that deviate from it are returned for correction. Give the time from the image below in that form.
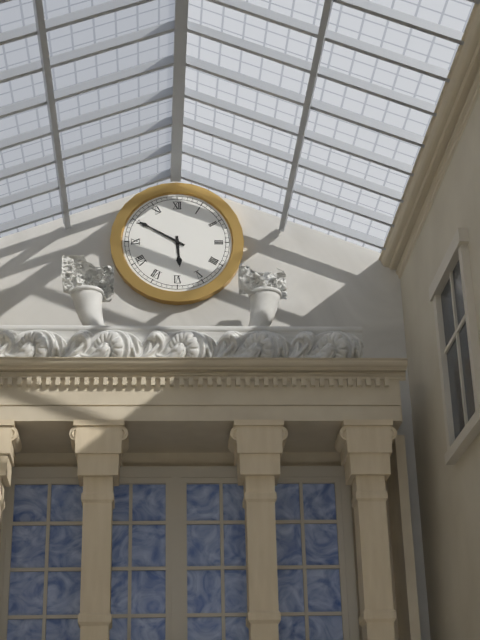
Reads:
5h50
